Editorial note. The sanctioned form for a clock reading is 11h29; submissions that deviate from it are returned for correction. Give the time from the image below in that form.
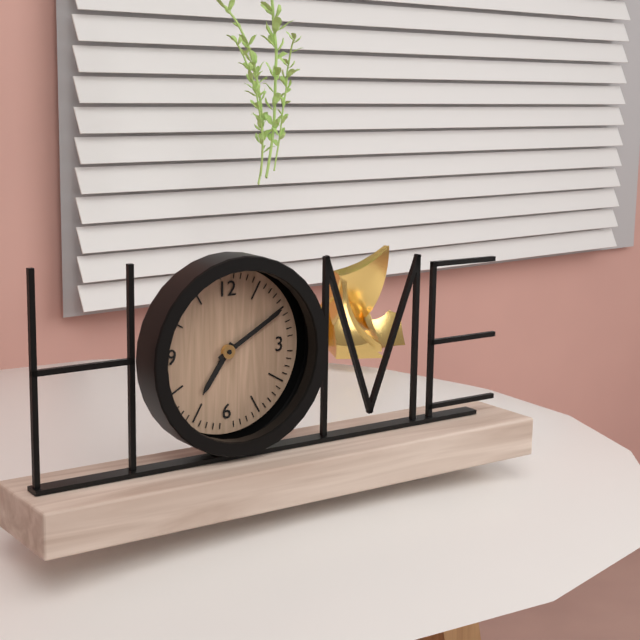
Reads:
7h10
